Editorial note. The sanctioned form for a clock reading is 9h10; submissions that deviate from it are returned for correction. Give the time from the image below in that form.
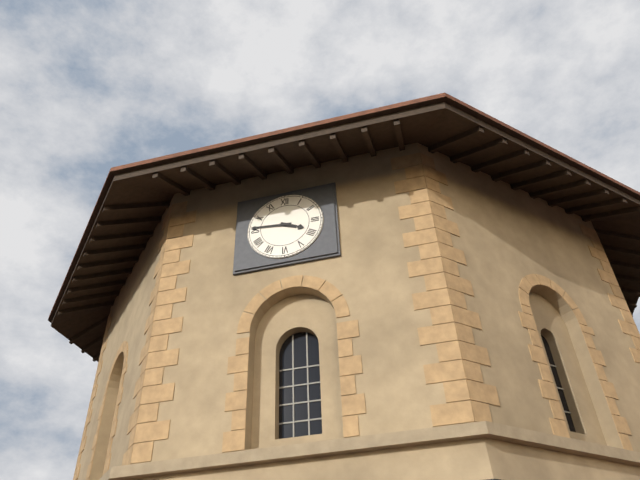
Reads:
3h46
